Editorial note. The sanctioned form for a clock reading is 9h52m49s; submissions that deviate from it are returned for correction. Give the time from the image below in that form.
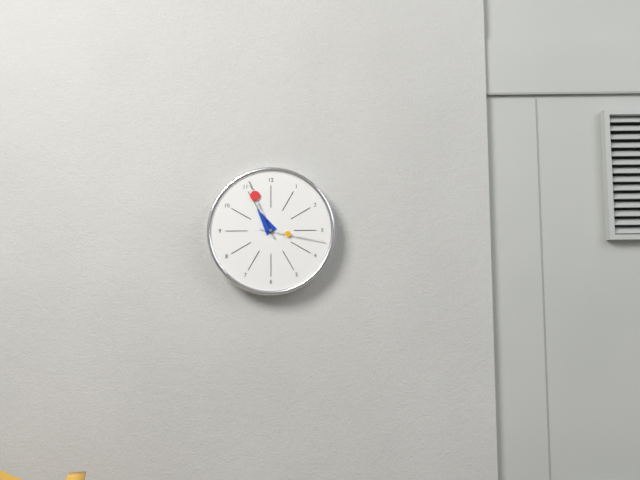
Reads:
10h56m17s
